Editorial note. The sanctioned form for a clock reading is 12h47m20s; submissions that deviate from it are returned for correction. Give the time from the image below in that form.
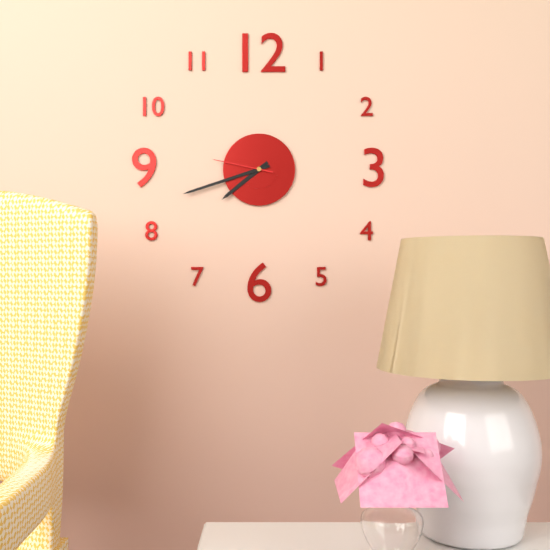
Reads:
7h42m47s
